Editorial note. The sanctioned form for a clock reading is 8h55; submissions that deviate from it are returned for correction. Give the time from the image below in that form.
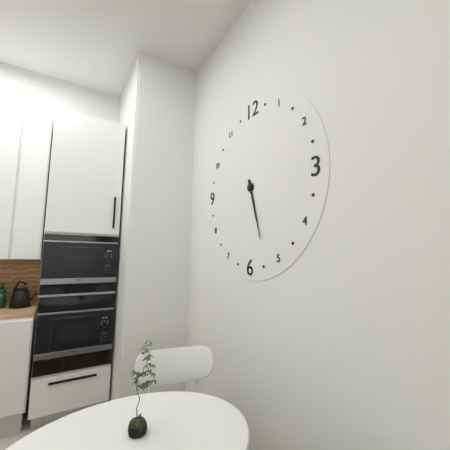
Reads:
5h27
